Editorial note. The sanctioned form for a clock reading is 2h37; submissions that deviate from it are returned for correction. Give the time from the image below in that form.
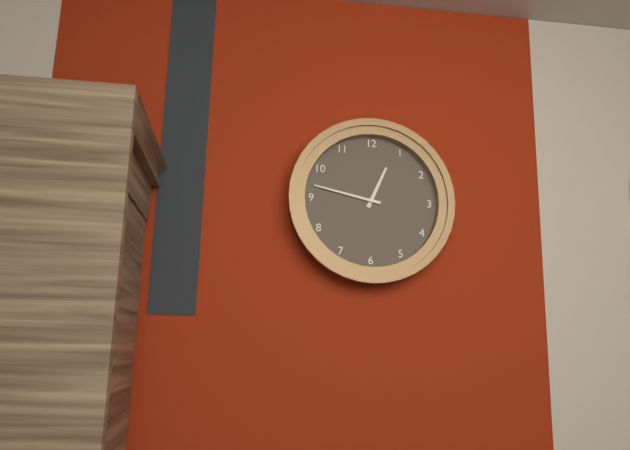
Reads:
12h47
